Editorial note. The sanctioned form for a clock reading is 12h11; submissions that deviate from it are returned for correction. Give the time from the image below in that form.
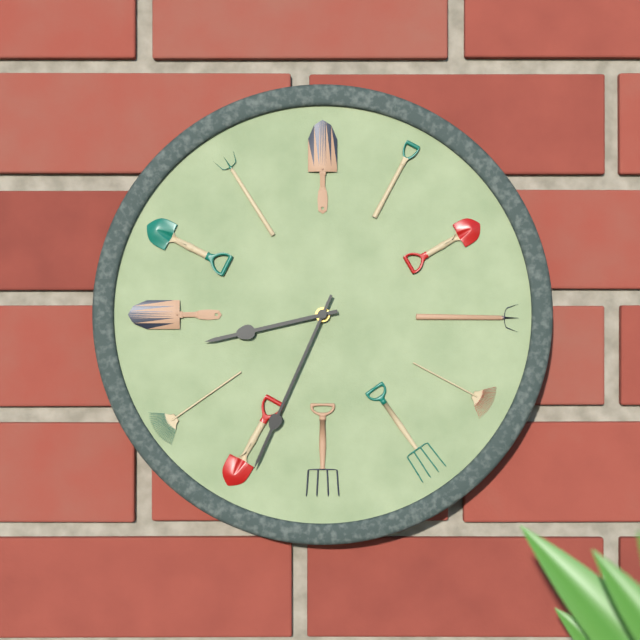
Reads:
8h34
